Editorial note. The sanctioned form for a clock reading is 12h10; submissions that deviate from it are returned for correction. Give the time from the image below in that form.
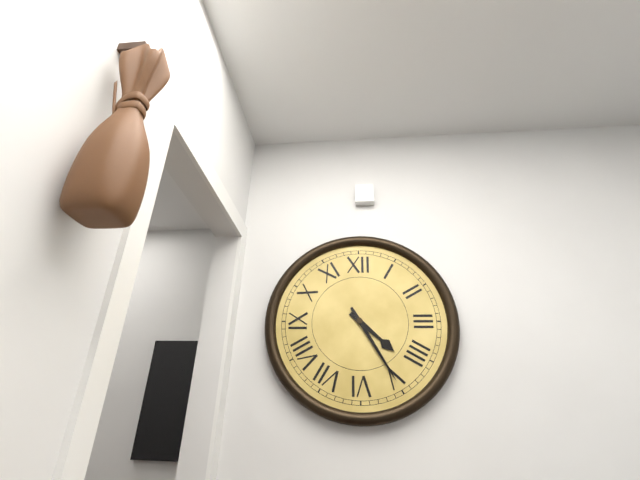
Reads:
4h25
